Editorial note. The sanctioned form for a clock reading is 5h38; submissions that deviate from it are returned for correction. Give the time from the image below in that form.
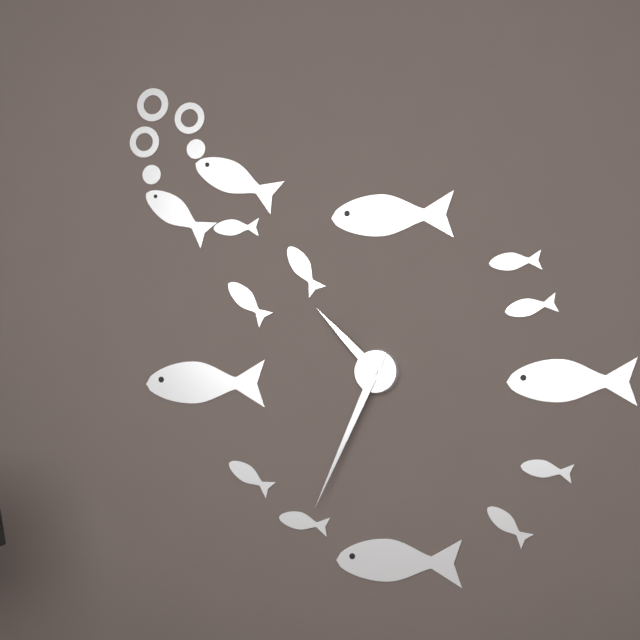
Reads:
10h34
